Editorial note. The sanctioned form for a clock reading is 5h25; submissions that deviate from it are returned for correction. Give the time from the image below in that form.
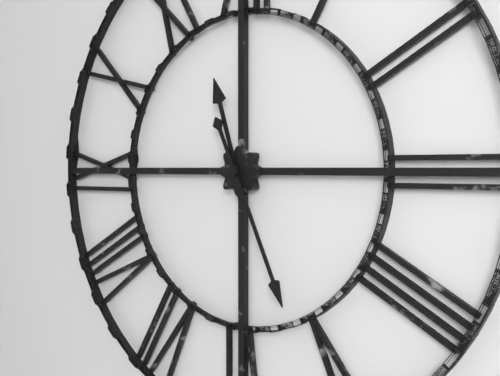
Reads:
11h26
